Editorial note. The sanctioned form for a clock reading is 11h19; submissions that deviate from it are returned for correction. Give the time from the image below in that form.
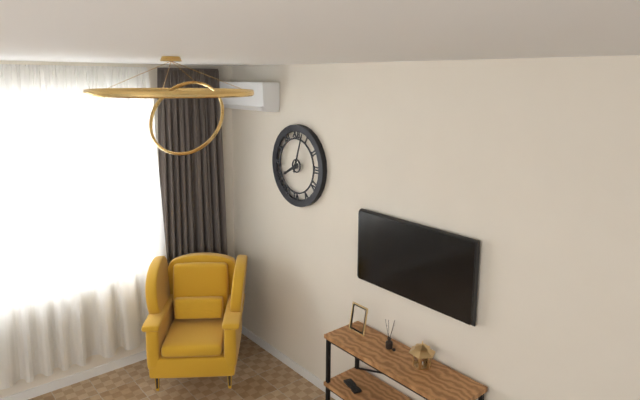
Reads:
8h03
